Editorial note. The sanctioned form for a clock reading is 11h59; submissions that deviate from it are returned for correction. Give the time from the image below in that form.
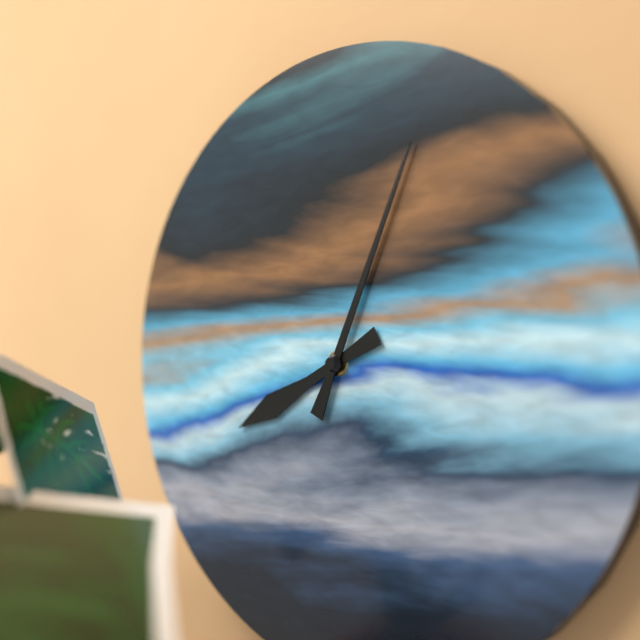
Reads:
8h04
